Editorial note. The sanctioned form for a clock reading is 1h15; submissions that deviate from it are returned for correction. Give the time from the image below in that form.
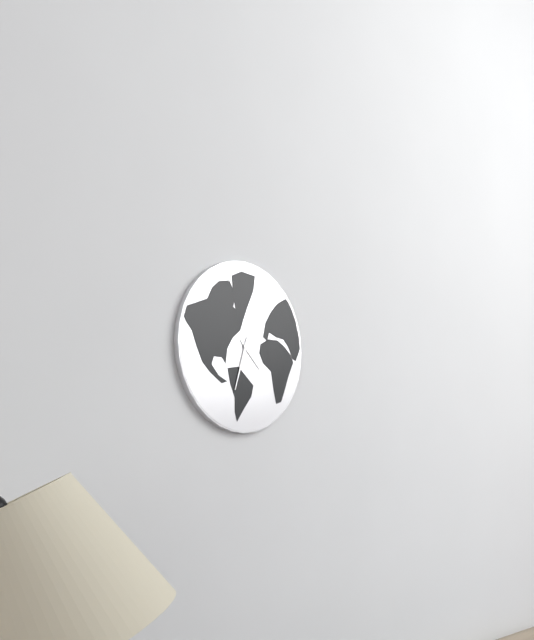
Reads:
4h33
